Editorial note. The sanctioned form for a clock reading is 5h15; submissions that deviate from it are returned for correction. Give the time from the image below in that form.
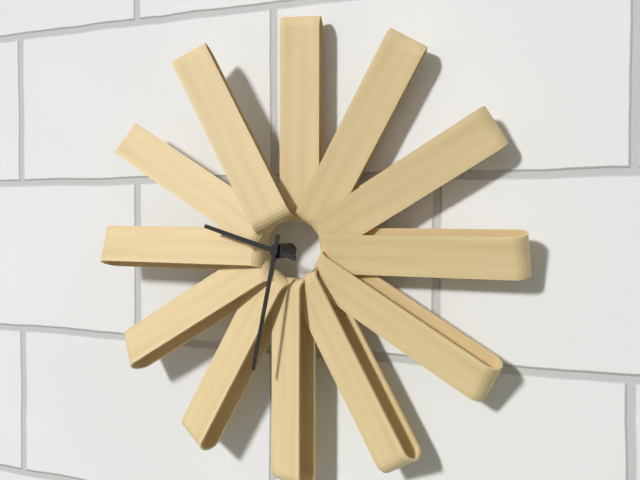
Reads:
9h32
